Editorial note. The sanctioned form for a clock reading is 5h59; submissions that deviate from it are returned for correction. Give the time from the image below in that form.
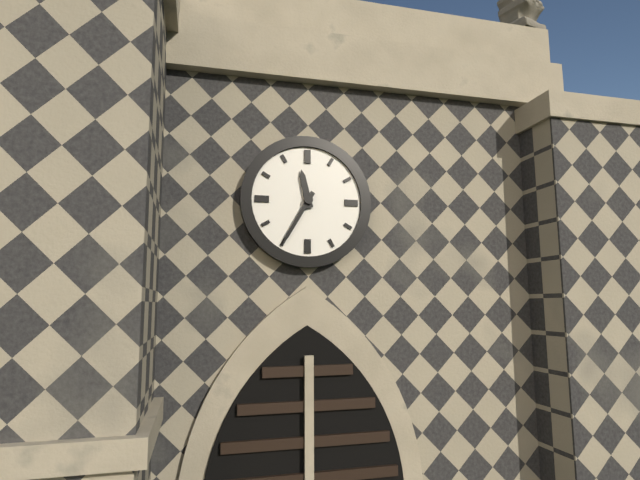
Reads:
11h35
